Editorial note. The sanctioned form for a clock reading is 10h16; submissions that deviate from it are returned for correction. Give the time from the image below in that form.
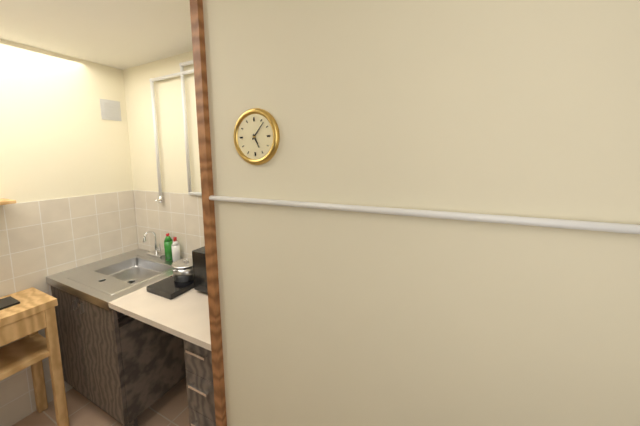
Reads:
5h07
